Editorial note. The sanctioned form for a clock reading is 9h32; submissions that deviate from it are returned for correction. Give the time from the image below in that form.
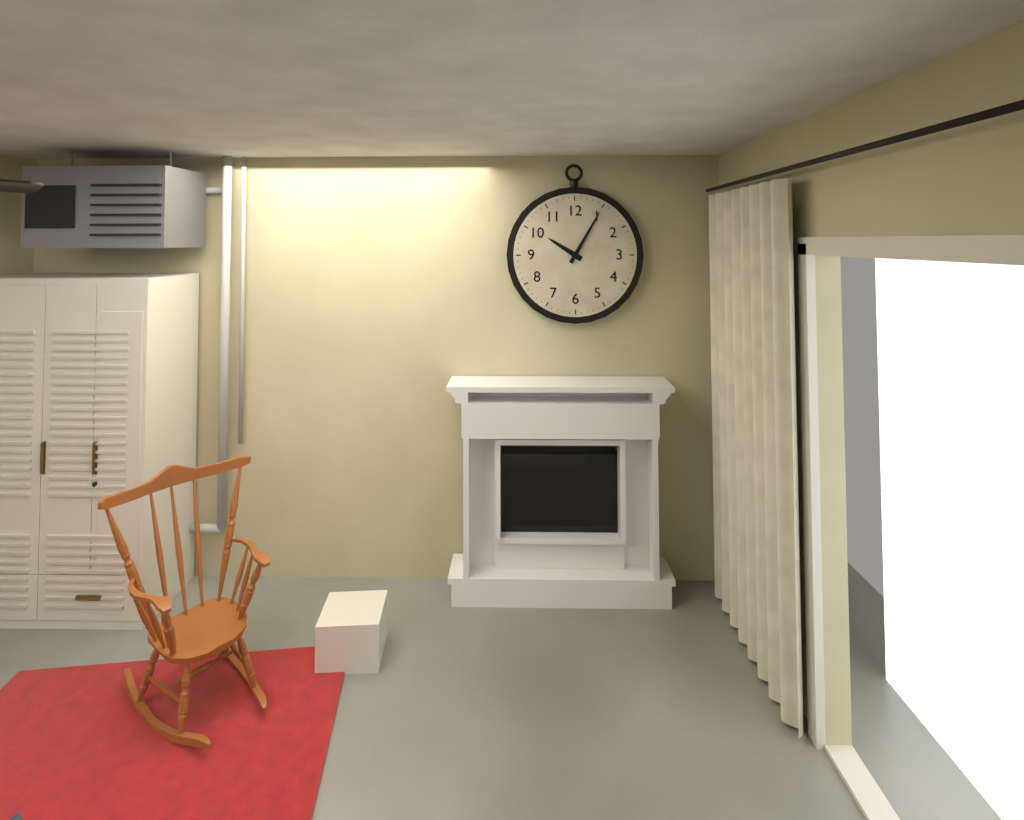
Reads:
10h05
